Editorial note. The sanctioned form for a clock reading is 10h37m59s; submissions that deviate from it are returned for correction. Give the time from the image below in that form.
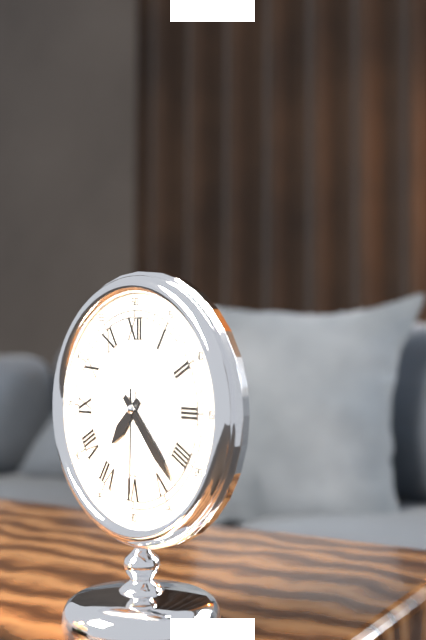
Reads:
7h23m30s
